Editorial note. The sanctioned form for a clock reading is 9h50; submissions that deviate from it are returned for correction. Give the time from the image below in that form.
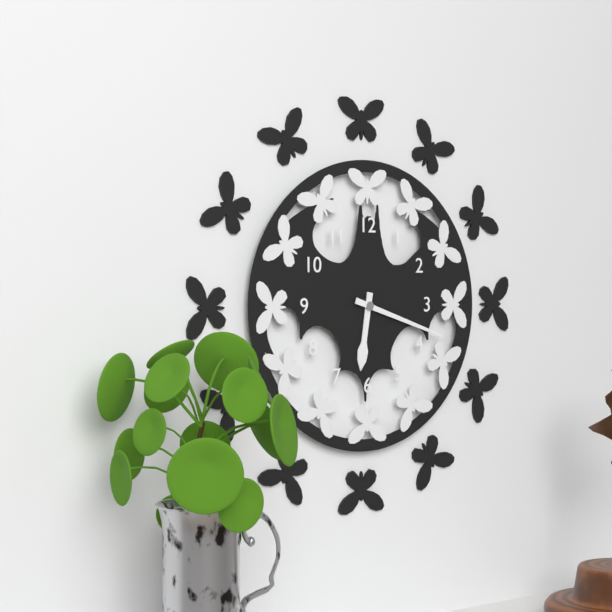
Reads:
6h18
